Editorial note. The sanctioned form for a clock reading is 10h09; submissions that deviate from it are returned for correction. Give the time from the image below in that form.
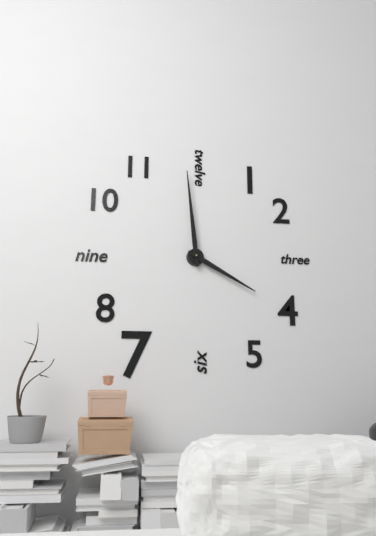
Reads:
3h59
